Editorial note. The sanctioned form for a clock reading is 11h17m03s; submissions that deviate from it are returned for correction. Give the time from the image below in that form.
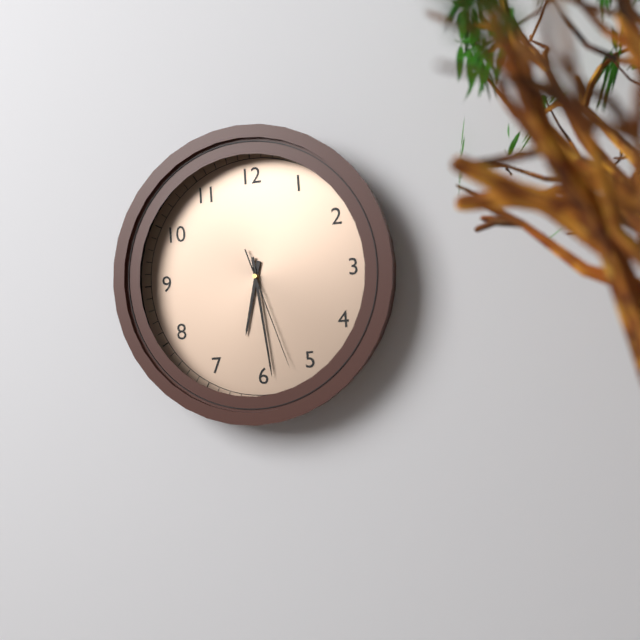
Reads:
6h29m27s
